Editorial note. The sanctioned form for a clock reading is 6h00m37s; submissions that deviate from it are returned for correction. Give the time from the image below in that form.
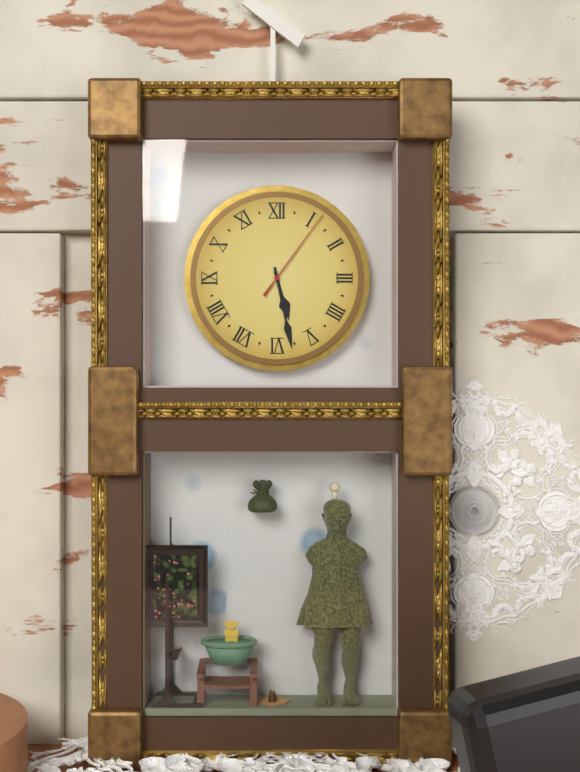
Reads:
5h28m06s
